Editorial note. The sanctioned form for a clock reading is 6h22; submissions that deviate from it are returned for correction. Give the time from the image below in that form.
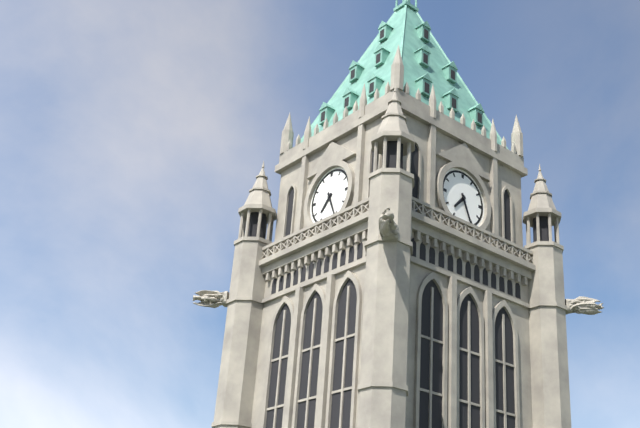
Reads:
7h26
